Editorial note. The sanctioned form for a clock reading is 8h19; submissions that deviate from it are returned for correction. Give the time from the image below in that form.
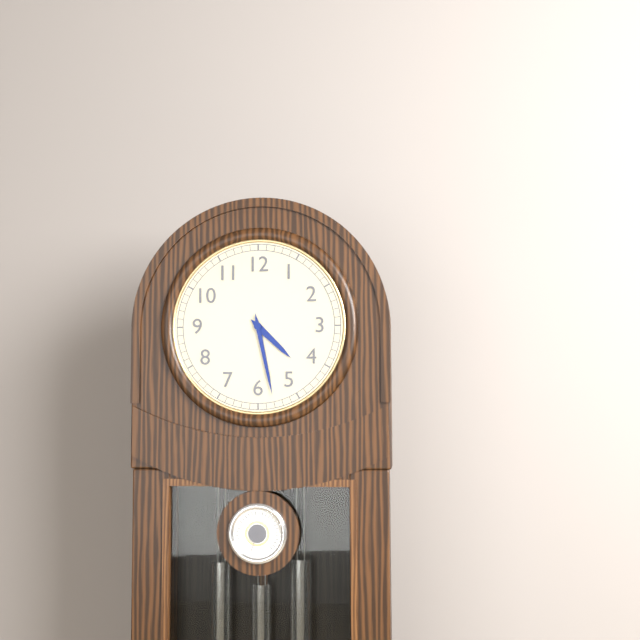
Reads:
4h28
